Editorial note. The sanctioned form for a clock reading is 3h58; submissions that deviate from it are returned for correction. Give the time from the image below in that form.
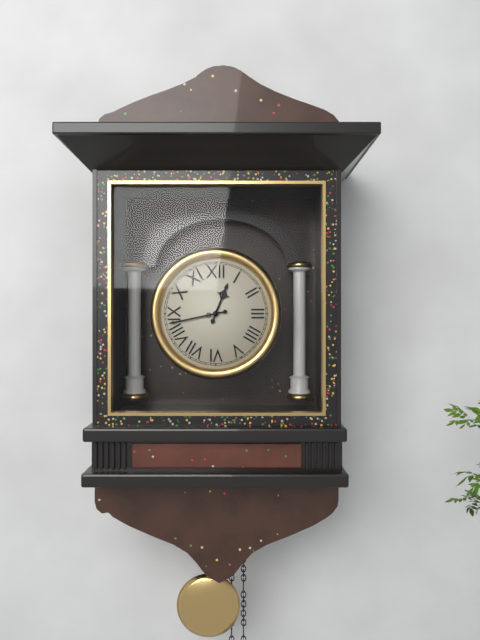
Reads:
12h43
